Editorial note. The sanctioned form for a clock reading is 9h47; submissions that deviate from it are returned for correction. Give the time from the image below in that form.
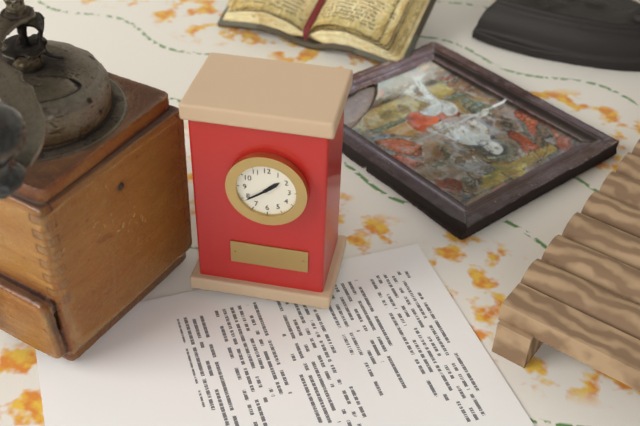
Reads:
1h39
